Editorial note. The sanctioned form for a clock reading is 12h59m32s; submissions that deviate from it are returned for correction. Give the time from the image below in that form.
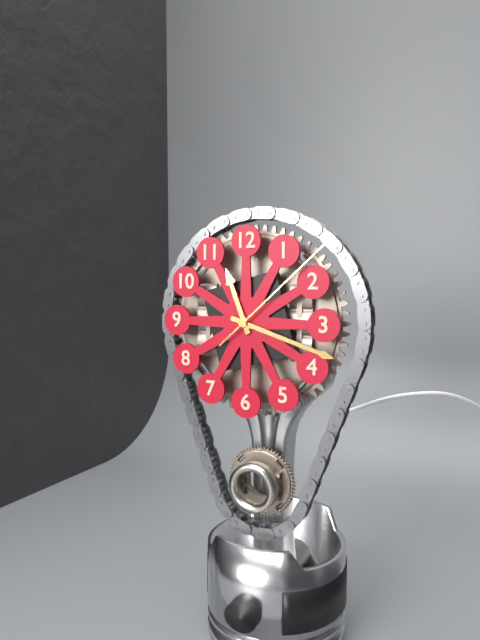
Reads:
11h18m08s
